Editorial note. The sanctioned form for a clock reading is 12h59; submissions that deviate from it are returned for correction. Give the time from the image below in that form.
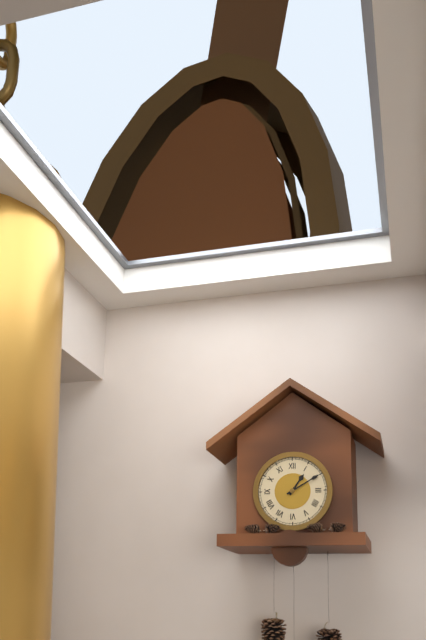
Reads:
1h10
